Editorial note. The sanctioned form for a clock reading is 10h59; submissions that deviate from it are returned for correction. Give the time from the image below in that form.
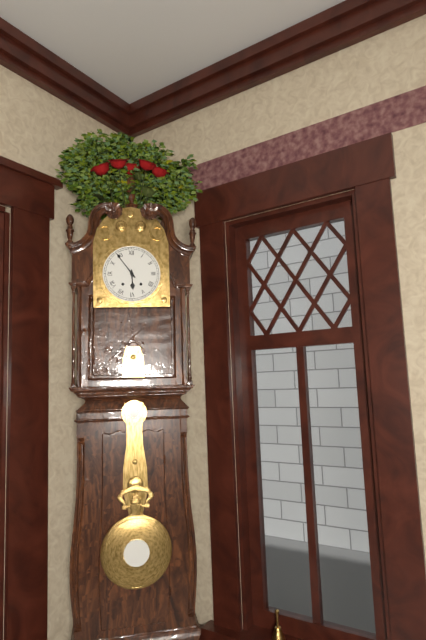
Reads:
5h54
